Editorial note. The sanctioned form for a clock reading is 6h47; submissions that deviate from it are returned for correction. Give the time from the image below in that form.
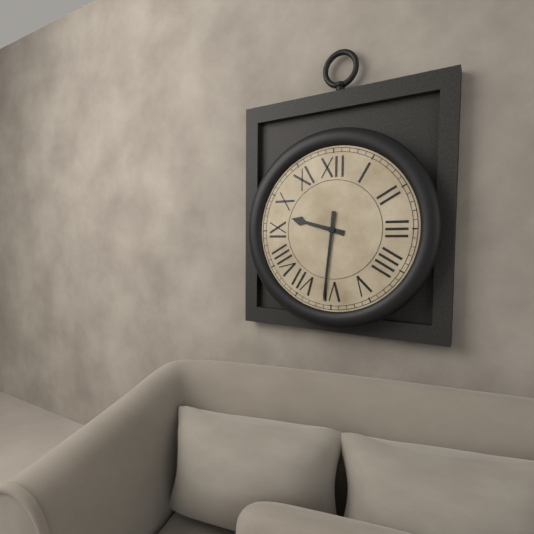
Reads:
9h31
